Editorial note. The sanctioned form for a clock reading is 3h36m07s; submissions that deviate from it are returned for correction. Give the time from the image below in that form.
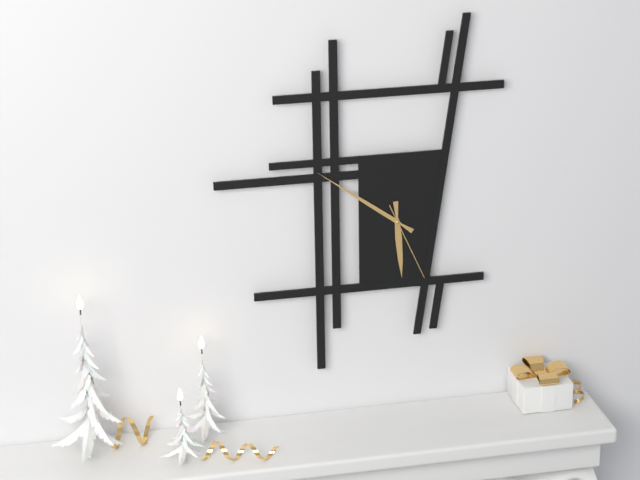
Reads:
5h51m26s
